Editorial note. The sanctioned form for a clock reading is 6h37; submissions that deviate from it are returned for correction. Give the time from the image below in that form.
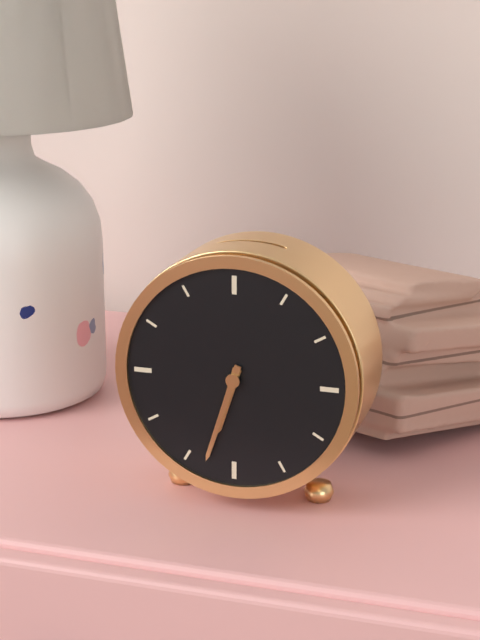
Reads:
6h33
